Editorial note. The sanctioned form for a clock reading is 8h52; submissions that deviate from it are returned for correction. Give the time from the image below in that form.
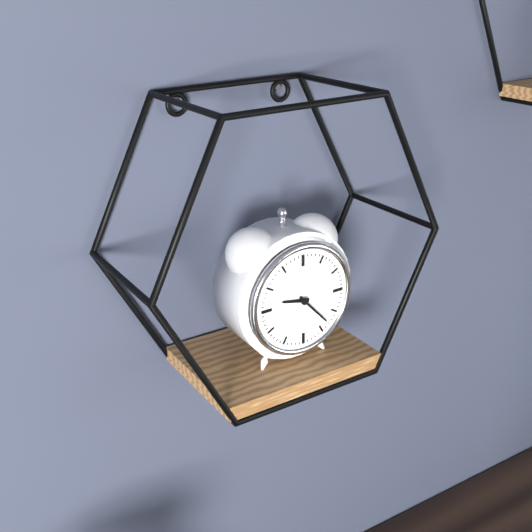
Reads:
9h23
